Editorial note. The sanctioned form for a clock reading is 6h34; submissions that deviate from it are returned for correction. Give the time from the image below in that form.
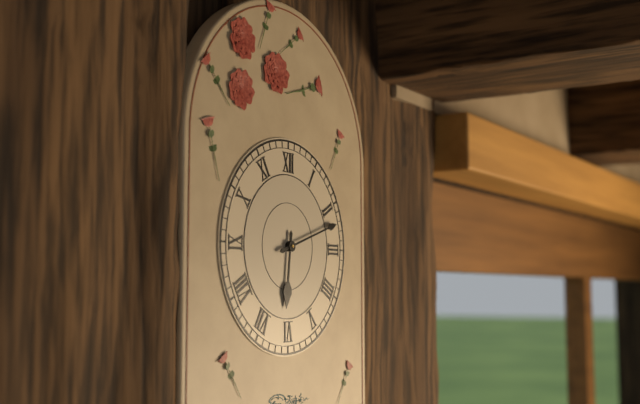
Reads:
6h12
